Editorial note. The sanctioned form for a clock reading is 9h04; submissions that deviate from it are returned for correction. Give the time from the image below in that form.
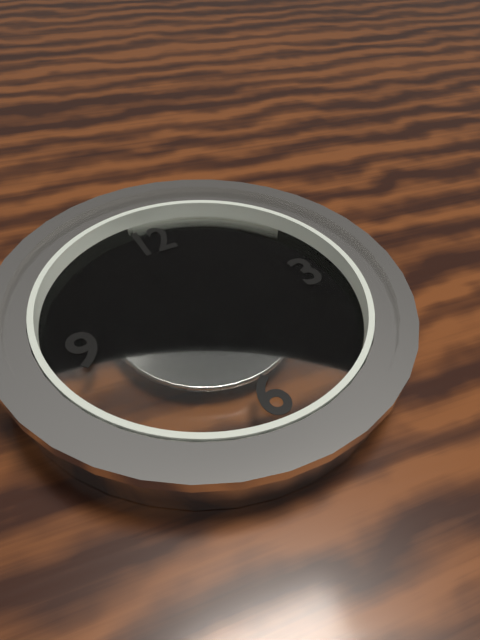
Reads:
4h08
